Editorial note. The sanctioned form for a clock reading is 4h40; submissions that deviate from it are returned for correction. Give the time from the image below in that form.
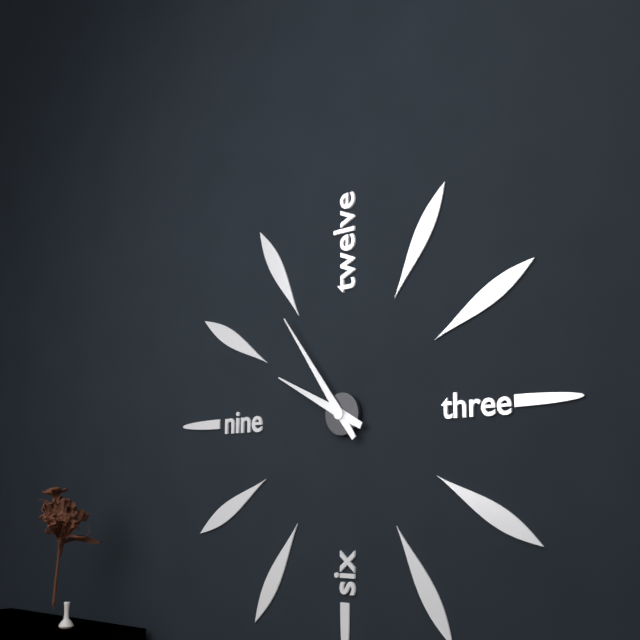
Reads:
9h54
